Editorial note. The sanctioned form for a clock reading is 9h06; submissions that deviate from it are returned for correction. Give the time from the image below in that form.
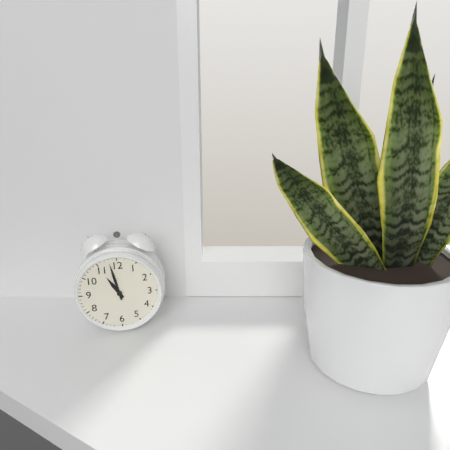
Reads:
10h58
